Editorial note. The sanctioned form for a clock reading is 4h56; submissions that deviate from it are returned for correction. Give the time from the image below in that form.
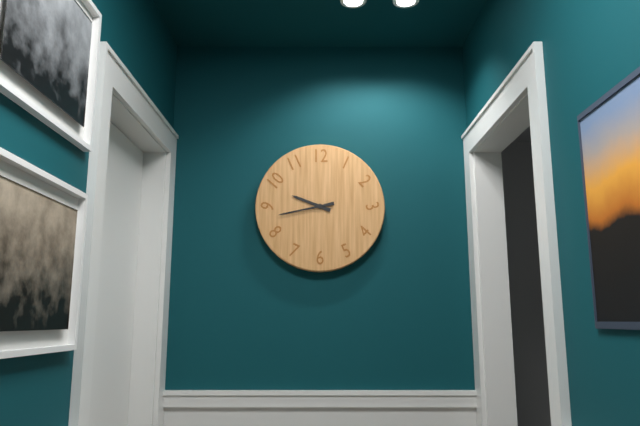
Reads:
9h43
